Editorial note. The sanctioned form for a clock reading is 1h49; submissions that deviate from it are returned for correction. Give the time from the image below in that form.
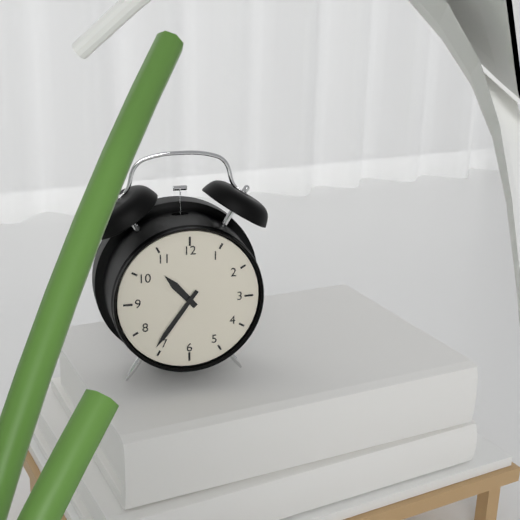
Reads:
10h36
